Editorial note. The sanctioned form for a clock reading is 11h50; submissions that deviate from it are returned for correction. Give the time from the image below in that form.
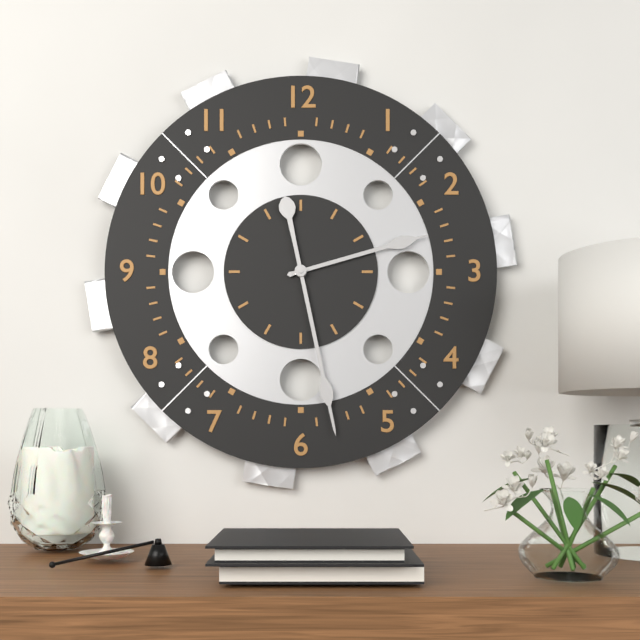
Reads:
2h28
